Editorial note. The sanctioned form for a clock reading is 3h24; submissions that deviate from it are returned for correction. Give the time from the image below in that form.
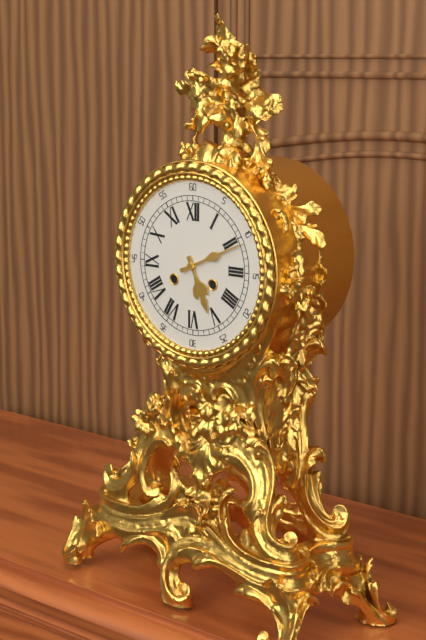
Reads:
5h11
